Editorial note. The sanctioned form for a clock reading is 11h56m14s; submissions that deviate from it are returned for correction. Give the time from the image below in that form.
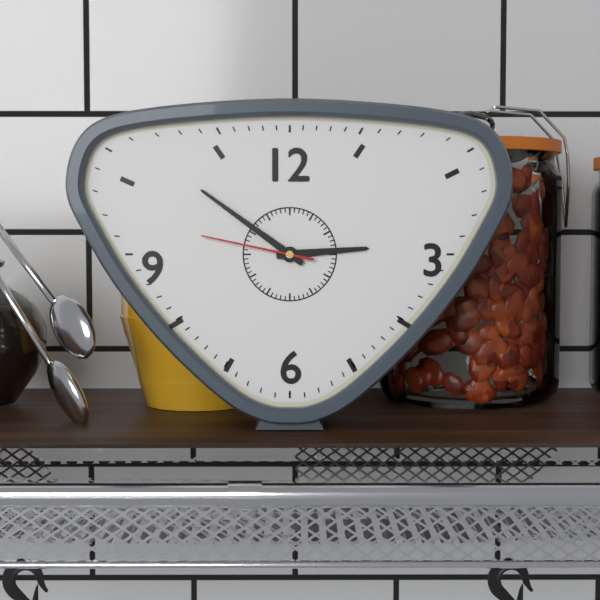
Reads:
2h51m47s
